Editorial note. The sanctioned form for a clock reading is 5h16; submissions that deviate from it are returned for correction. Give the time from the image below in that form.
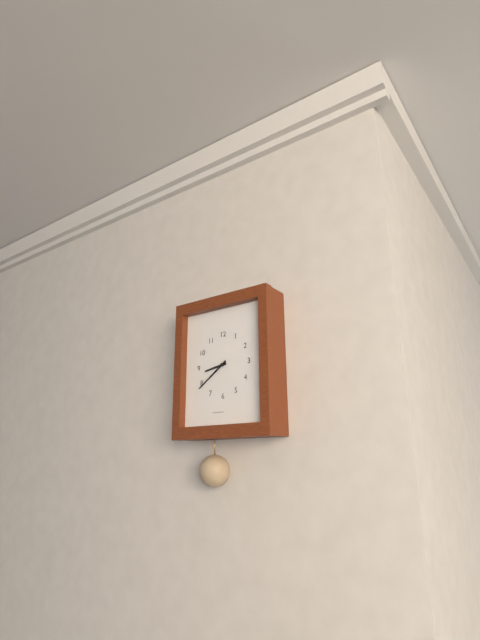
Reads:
8h39
